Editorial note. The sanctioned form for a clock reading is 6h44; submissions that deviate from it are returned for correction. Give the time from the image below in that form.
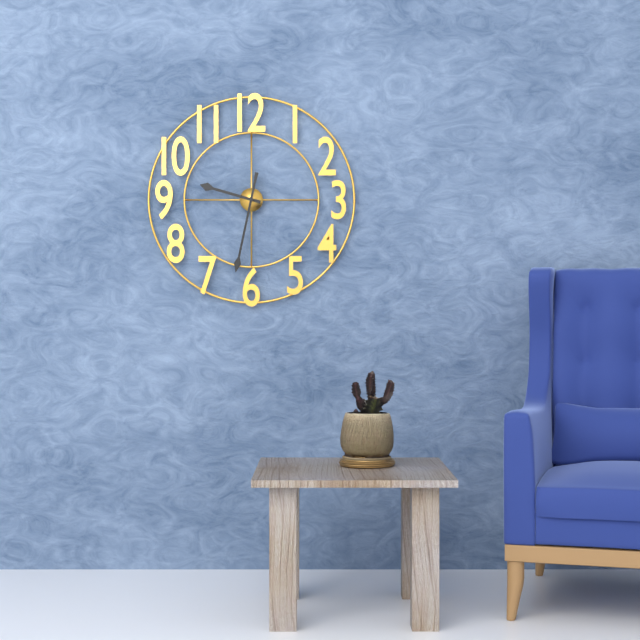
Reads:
9h32
